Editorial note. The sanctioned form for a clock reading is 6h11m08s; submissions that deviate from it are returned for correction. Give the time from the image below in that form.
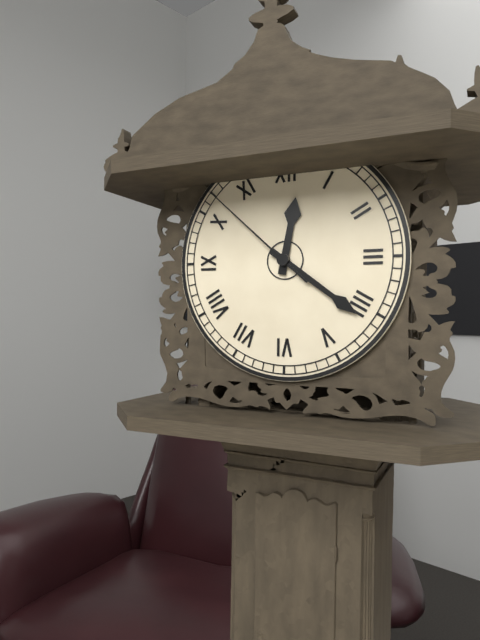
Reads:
12h21m52s
